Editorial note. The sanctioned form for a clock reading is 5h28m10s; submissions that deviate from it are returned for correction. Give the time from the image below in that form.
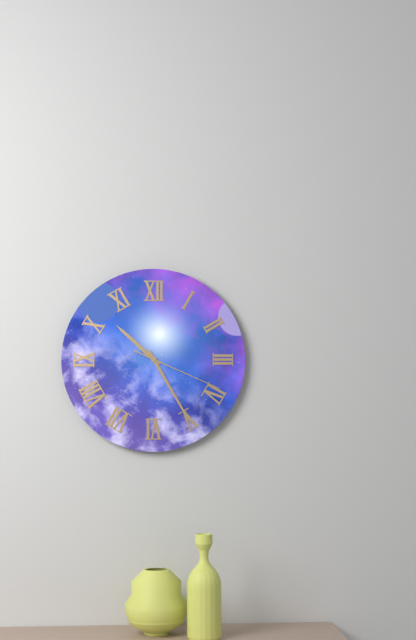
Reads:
10h25m19s
